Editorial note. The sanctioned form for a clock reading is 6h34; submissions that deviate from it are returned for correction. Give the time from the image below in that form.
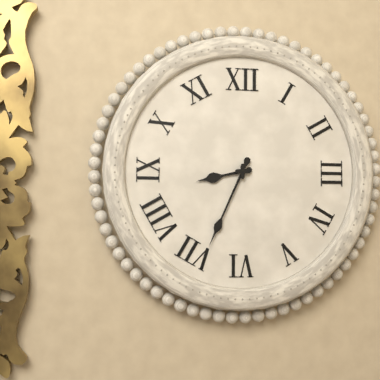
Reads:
8h34
